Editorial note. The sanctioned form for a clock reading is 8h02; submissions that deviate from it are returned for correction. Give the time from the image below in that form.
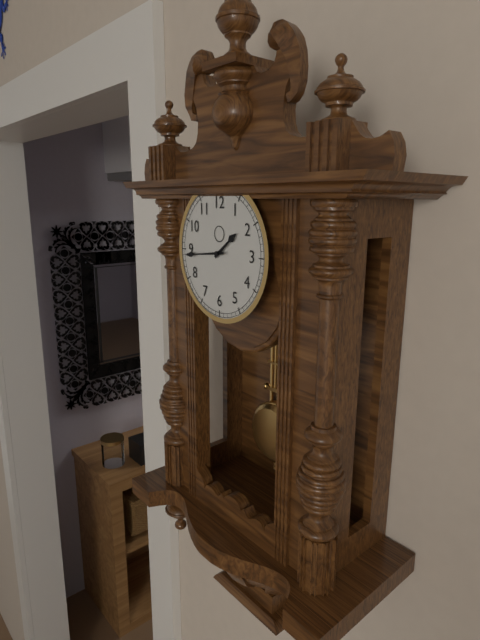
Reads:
1h44
